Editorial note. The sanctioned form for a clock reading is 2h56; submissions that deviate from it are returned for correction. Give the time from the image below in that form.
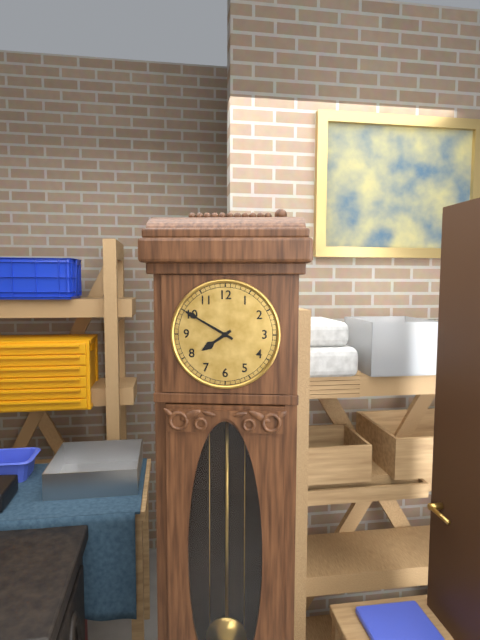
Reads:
7h50
